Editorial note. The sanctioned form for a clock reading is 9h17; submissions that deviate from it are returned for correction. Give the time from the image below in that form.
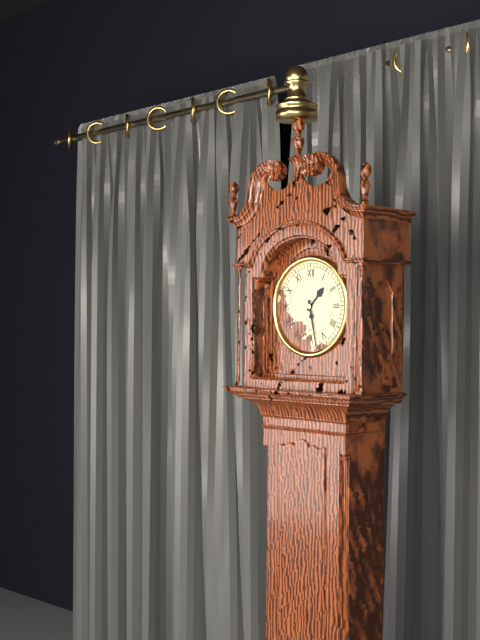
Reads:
1h28
